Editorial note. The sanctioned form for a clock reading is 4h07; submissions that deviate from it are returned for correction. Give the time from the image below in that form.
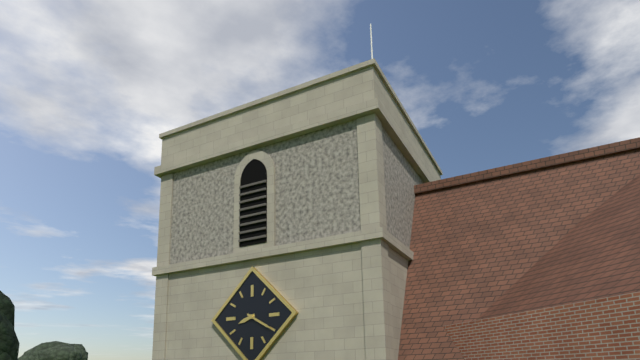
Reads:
8h20
